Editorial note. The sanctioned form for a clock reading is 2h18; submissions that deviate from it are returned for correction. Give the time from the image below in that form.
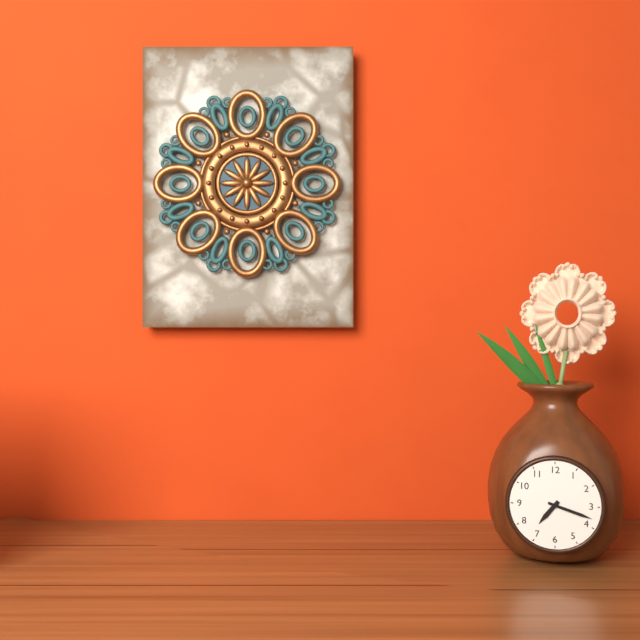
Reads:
7h18
